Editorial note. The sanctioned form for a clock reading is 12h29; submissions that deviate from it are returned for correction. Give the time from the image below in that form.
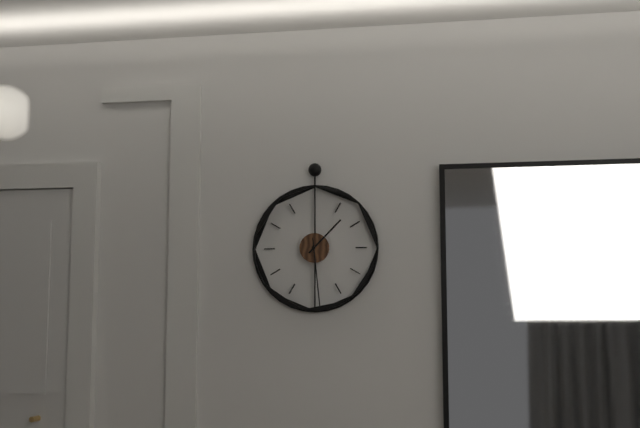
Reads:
1h29
